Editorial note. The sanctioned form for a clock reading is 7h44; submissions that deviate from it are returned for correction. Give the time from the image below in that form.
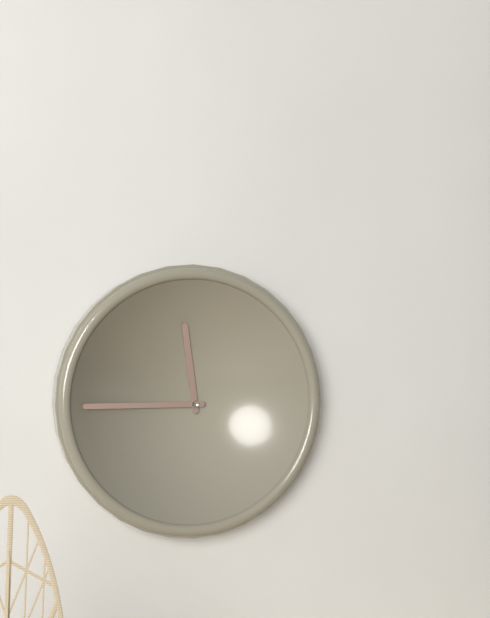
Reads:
11h45
